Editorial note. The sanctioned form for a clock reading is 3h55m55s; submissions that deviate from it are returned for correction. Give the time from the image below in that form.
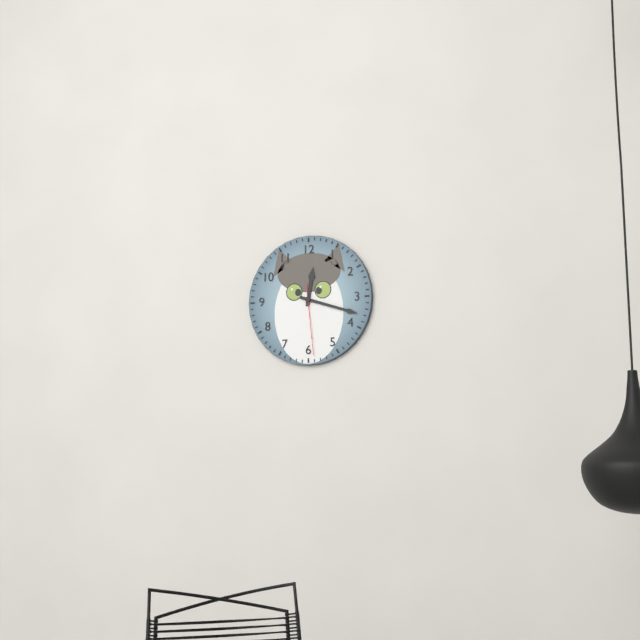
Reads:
12h18m29s
